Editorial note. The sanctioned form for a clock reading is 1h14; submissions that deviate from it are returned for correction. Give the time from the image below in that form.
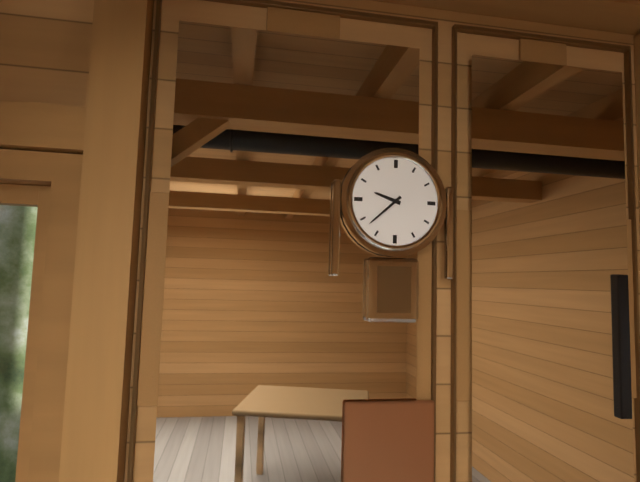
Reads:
9h38
